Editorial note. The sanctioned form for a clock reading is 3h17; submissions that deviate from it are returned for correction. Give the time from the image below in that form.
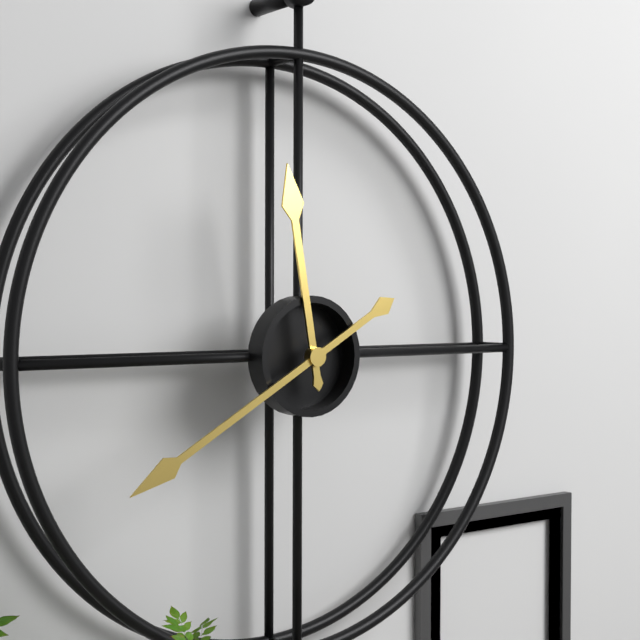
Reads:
11h40
